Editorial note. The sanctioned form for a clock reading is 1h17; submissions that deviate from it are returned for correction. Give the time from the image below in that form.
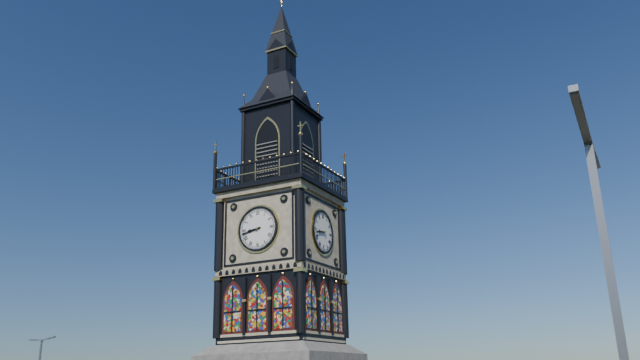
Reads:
8h43
